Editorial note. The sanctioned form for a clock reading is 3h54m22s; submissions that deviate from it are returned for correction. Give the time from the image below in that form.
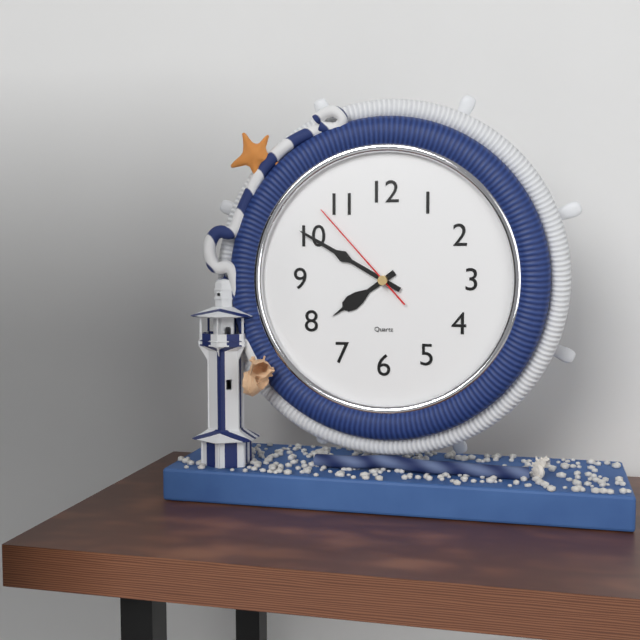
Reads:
7h50m53s
